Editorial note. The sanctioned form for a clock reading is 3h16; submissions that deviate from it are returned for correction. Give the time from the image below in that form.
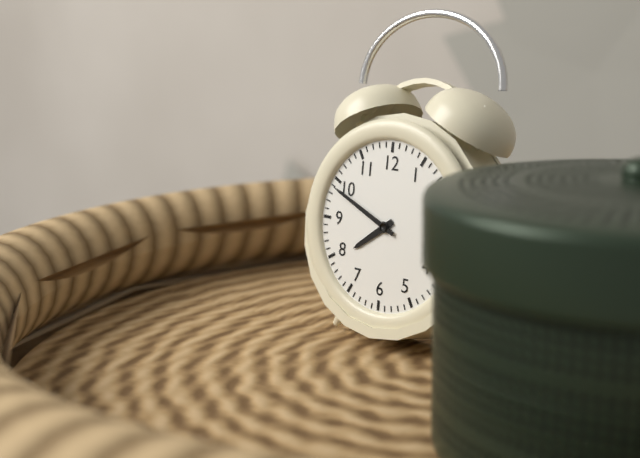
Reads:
7h49
